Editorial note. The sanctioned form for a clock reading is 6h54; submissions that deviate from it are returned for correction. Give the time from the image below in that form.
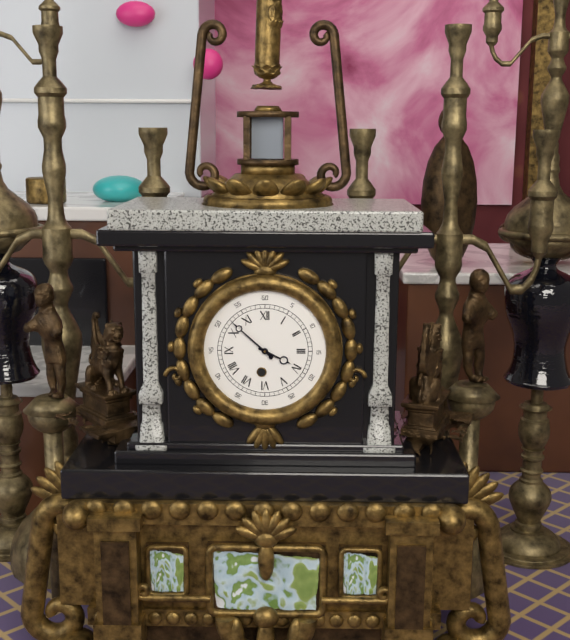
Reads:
3h52
